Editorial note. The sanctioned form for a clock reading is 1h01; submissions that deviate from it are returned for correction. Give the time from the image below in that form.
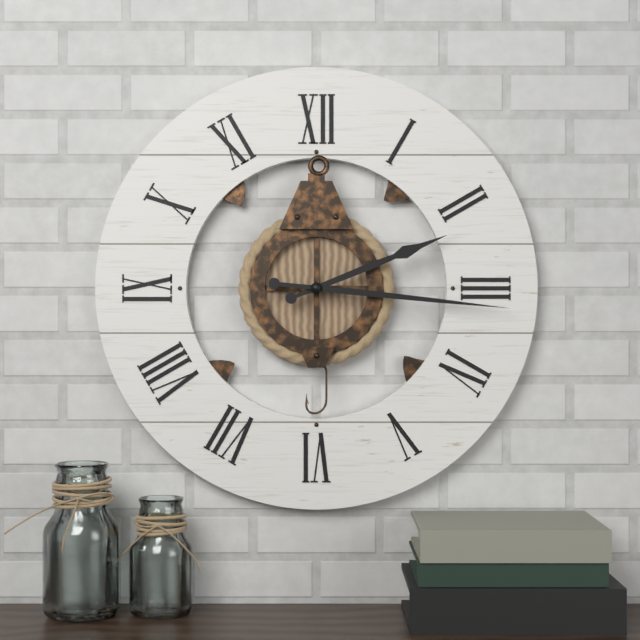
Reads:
2h16
